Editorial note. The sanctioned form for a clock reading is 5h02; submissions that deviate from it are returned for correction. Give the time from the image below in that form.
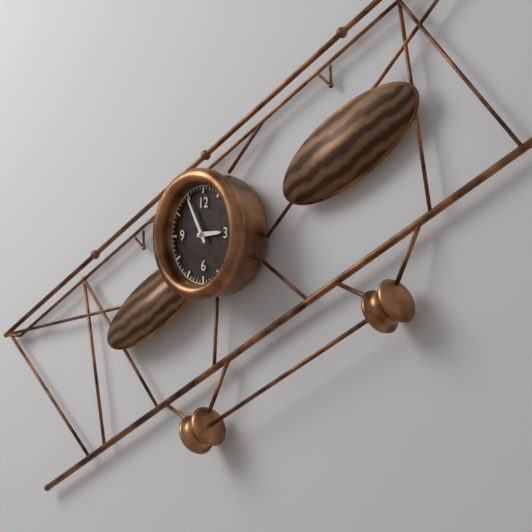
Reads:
2h55
